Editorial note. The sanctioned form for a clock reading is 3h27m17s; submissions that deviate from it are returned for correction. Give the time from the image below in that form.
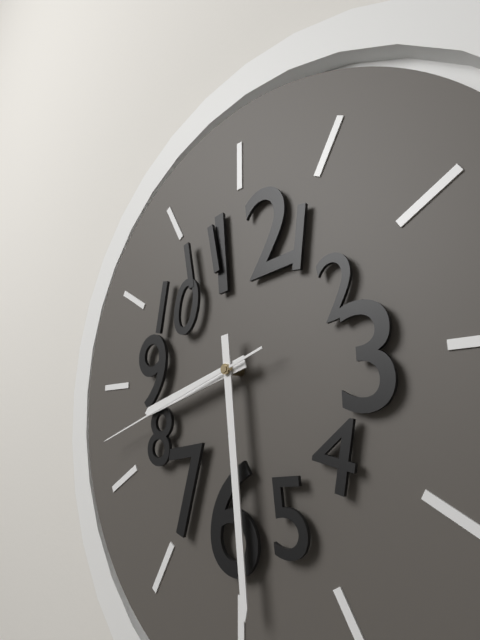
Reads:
8h29m42s
